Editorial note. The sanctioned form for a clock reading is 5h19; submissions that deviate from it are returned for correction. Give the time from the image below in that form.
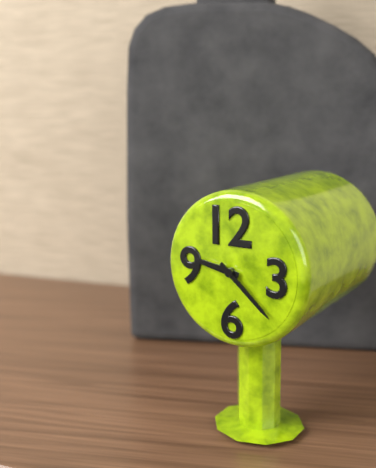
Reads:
9h22
